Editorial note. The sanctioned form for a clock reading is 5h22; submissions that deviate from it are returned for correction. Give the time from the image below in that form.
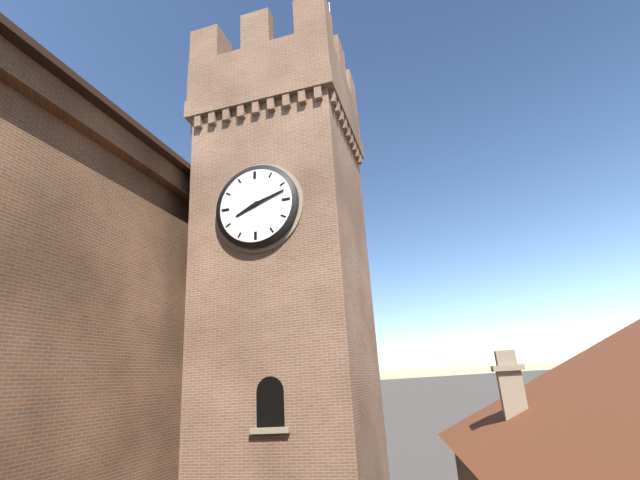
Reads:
8h12
